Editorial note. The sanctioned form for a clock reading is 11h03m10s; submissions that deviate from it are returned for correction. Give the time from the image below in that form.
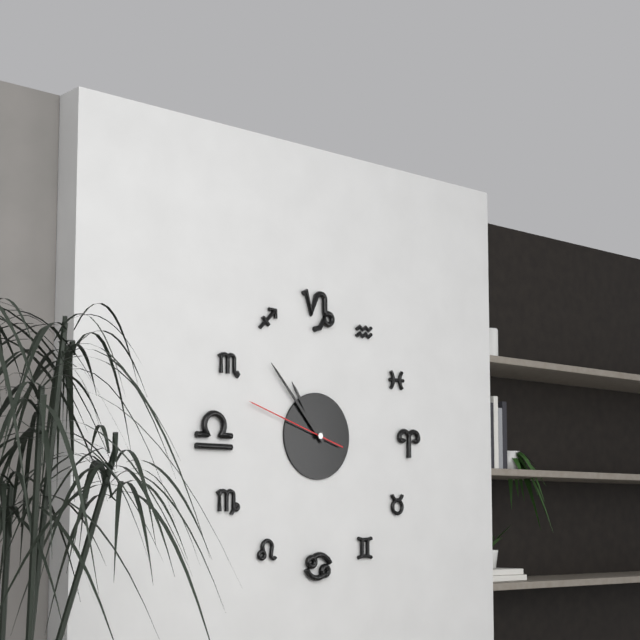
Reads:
10h53m48s
